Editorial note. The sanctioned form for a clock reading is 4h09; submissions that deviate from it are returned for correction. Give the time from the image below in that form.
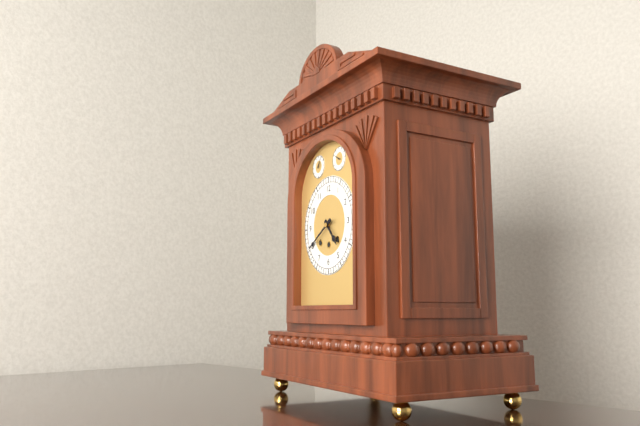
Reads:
4h40
